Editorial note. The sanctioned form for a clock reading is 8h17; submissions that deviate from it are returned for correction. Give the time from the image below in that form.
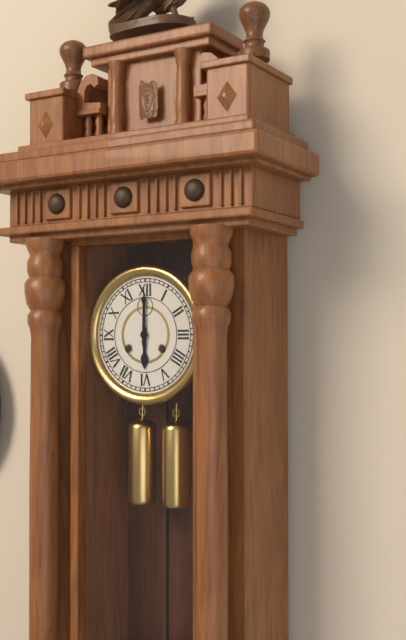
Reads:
6h00
